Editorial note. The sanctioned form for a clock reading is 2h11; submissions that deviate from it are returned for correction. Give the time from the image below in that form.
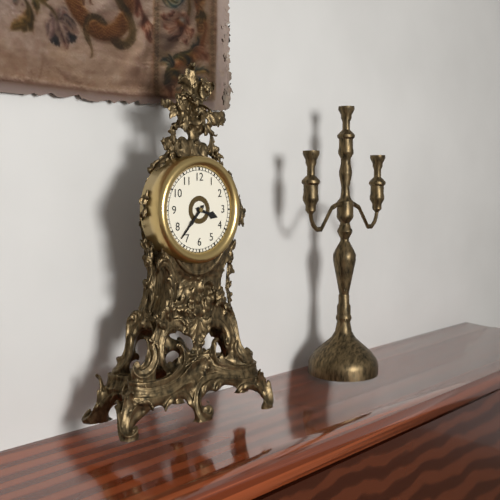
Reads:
3h37
